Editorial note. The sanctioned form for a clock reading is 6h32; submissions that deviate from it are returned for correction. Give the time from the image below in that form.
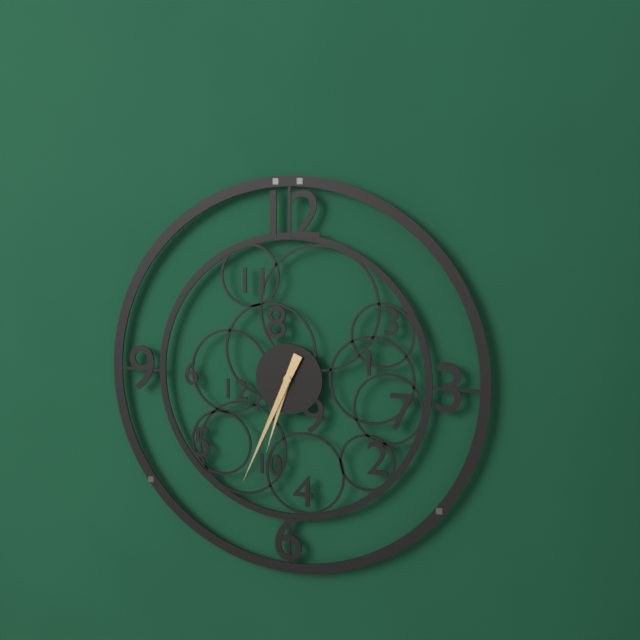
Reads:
6h34
